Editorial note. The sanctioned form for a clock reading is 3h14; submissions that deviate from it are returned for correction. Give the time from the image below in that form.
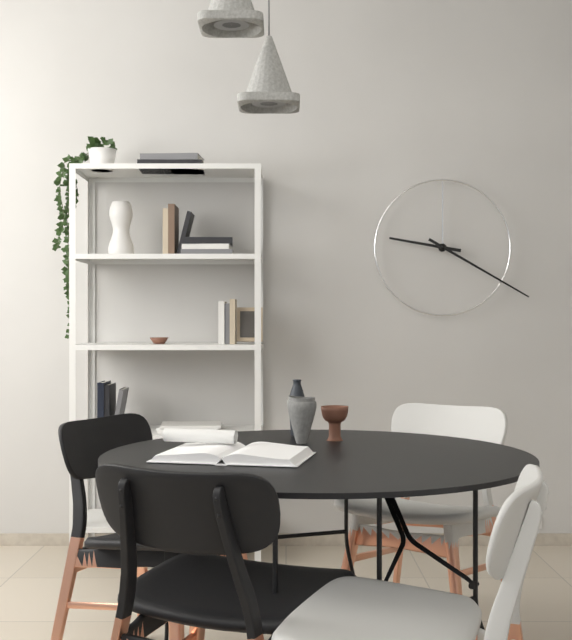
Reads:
9h20
